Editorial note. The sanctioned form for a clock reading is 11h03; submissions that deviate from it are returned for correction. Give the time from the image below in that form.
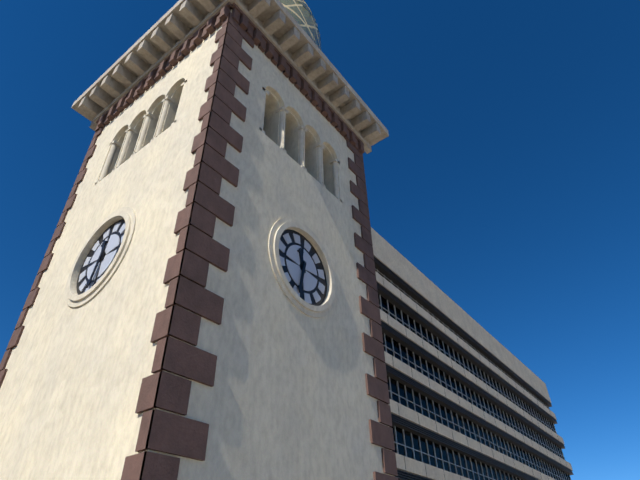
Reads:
11h32
